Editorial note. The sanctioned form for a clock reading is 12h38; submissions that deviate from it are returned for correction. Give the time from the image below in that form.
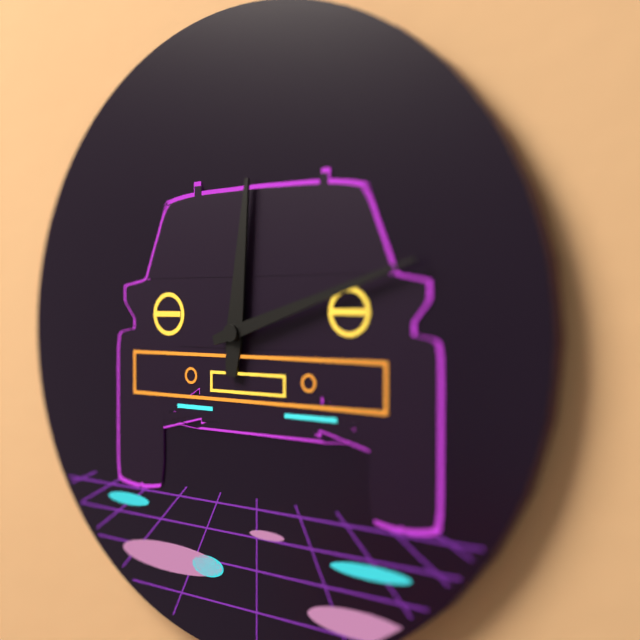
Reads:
12h12
